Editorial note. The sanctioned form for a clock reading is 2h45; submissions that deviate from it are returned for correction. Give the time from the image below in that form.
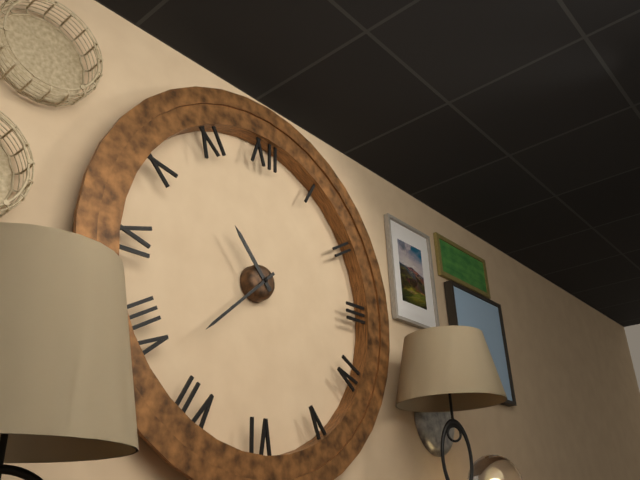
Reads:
10h38
